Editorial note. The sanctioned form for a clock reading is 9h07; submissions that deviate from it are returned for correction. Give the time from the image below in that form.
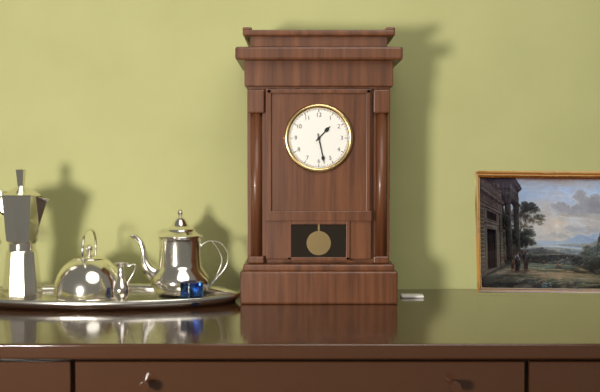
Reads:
1h28
